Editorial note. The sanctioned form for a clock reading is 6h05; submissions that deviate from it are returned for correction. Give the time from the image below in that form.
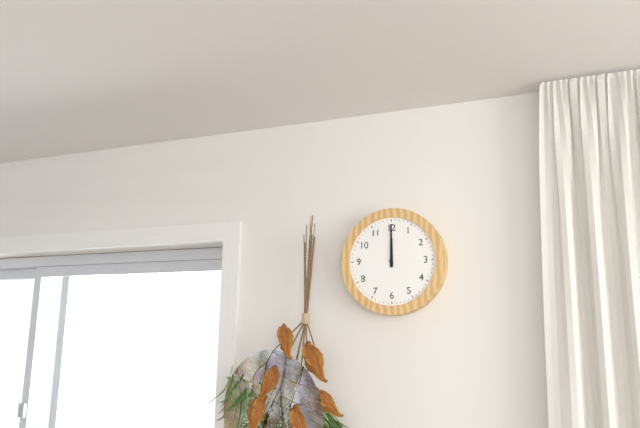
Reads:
12h00
